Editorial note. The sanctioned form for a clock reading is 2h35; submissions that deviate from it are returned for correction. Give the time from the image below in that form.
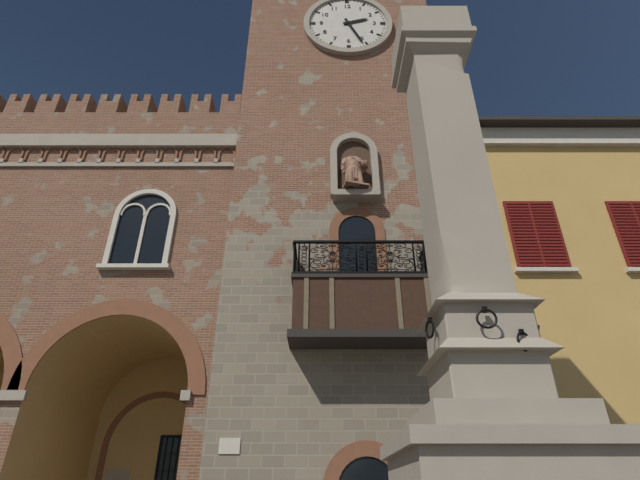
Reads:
2h26
